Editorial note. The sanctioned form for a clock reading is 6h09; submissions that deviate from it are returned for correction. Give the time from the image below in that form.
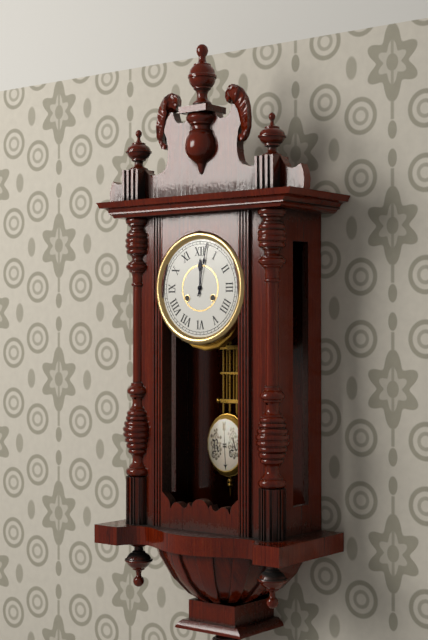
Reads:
12h02
